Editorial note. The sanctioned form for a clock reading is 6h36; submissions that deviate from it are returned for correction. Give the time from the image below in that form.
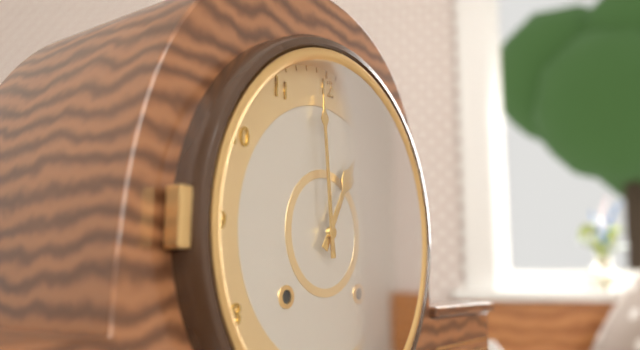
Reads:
12h59
